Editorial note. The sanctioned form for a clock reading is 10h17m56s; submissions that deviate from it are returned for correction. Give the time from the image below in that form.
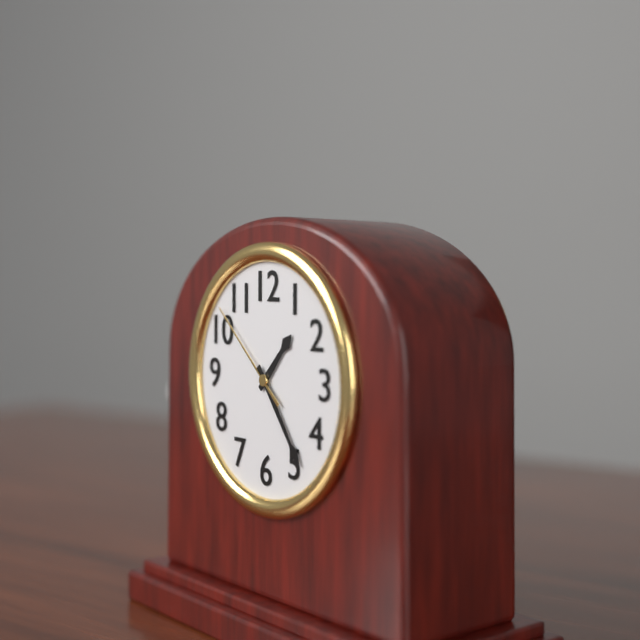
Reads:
1h24m52s
